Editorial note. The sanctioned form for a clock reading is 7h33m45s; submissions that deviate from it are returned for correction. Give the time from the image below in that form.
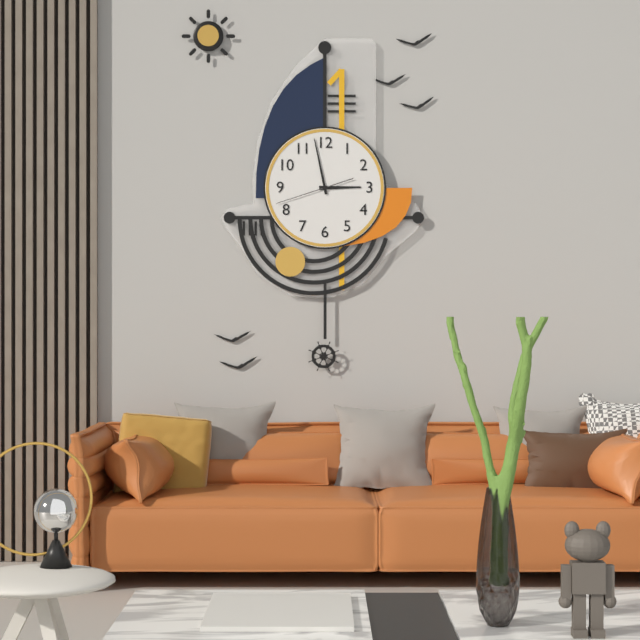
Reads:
2h58m42s
